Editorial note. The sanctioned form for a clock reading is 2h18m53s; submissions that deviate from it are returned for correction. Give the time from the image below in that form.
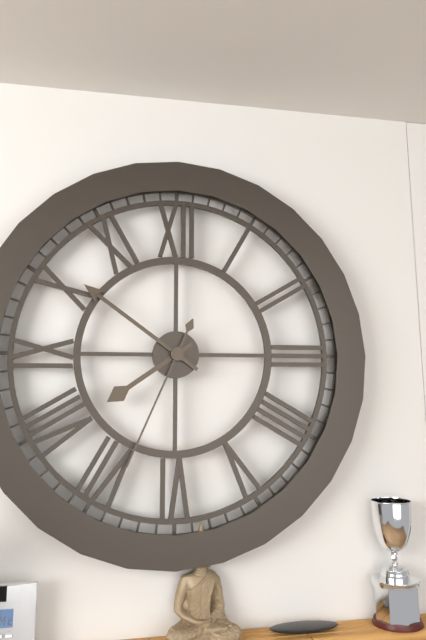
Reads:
7h51m34s
